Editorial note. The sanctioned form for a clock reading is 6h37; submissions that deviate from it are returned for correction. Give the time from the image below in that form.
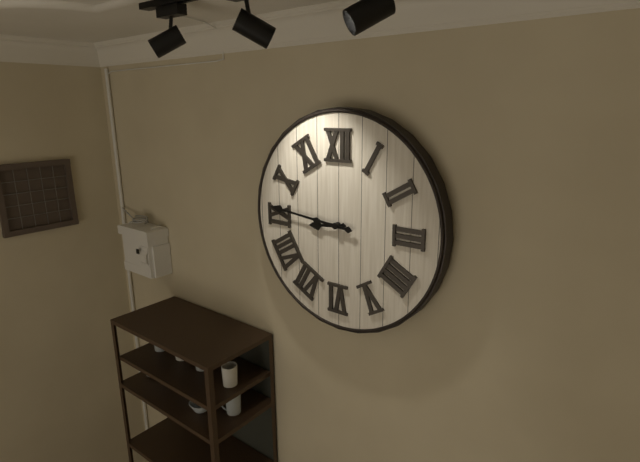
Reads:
8h46
